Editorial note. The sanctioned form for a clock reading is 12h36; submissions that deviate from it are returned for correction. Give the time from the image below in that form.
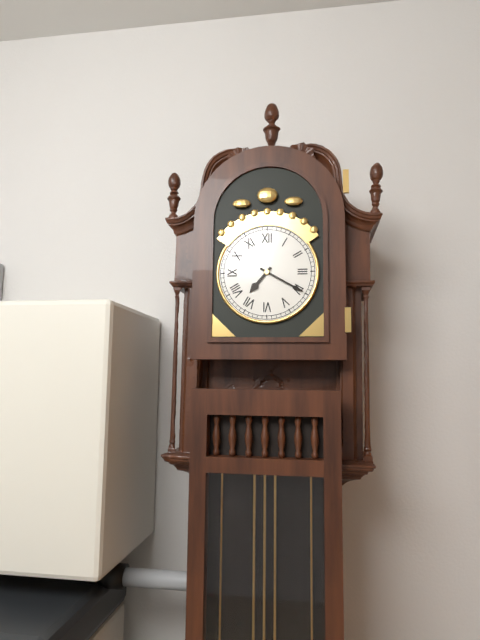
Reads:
7h20
